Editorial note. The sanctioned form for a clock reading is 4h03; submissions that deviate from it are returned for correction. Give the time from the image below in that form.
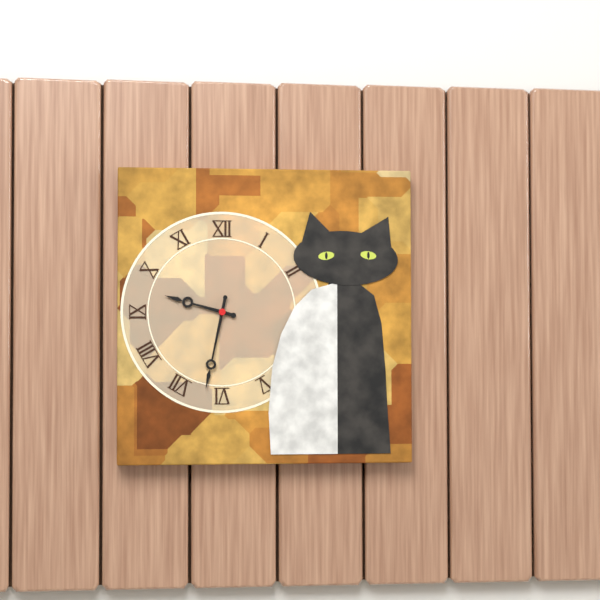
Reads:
9h32
